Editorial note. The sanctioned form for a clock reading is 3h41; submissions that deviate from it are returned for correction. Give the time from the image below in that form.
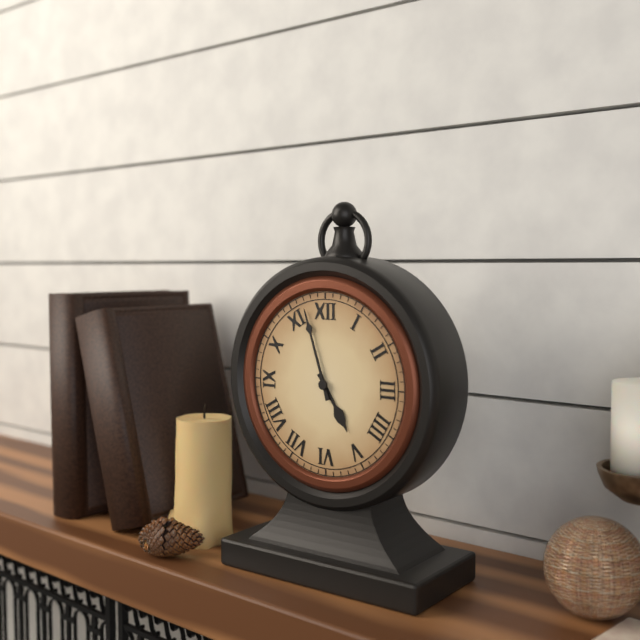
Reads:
4h57
